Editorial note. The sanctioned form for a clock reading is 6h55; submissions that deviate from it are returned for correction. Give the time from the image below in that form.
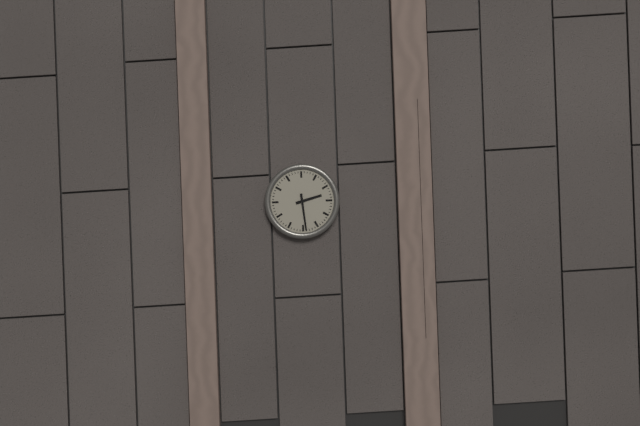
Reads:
2h29
